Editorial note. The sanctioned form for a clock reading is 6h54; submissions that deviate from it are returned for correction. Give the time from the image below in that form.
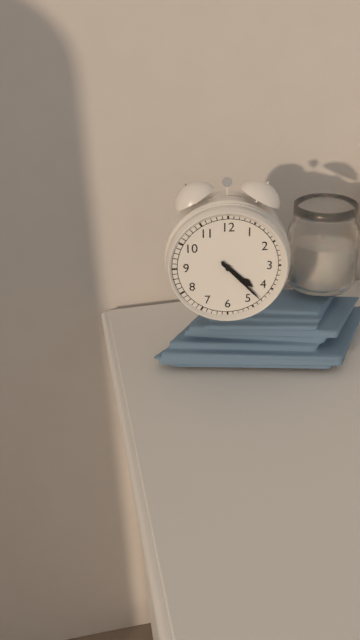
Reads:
4h23
